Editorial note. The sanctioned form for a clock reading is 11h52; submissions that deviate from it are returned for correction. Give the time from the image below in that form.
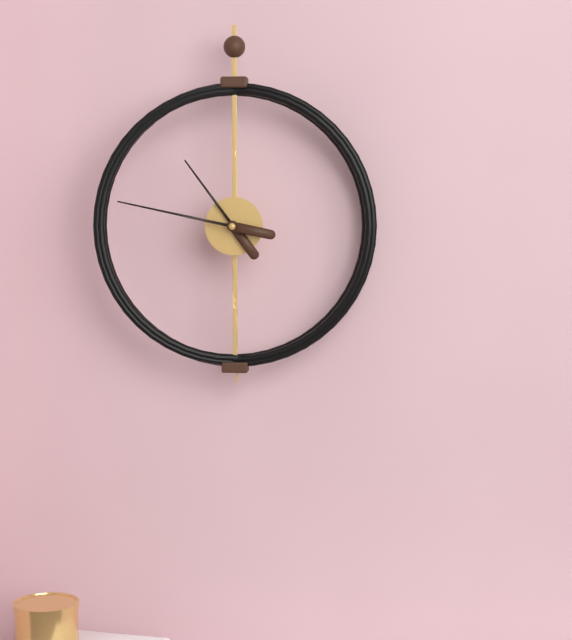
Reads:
10h47
